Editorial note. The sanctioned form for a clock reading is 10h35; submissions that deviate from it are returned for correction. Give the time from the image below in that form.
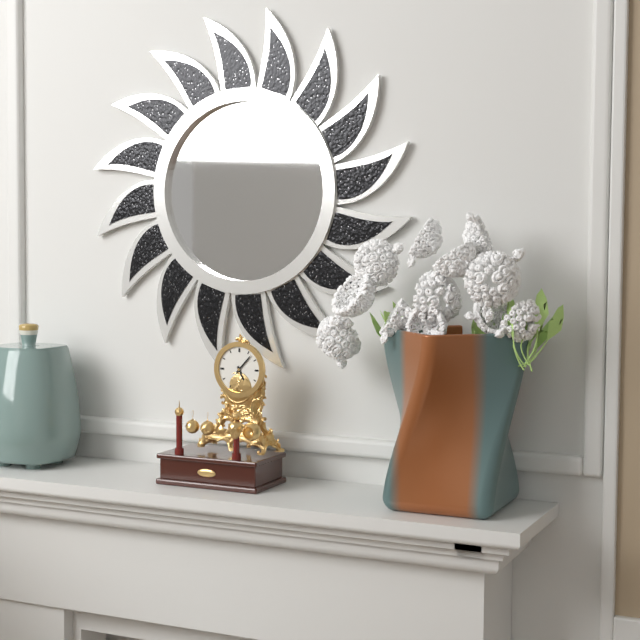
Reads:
5h07
